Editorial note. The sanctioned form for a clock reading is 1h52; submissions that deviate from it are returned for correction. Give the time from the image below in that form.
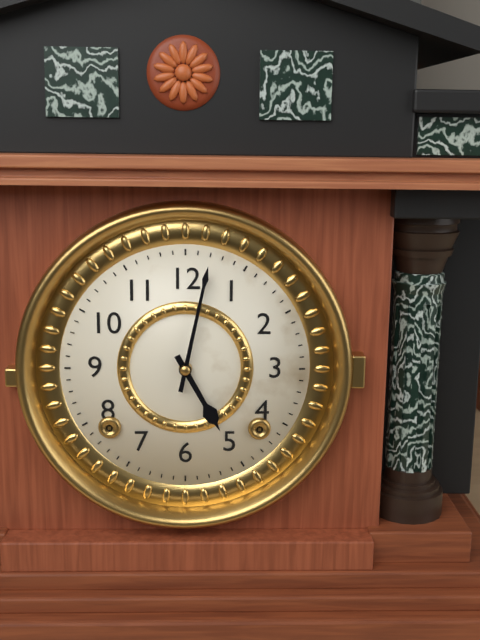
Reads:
5h02
